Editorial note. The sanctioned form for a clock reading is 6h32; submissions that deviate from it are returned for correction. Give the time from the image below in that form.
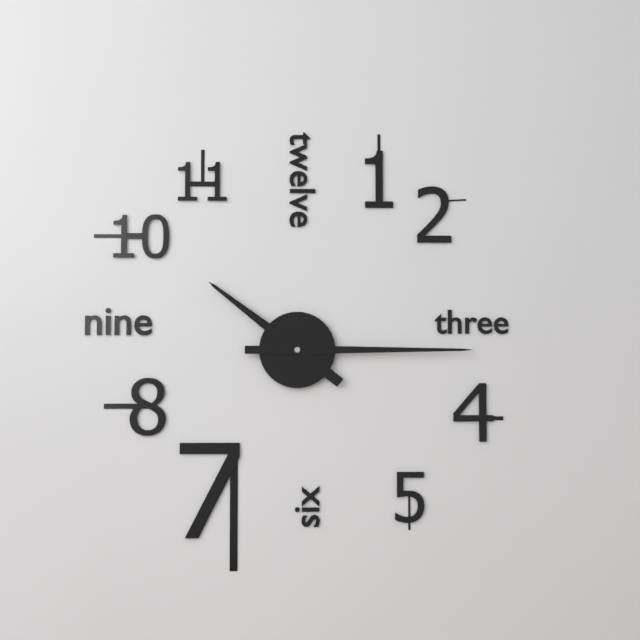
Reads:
10h15
